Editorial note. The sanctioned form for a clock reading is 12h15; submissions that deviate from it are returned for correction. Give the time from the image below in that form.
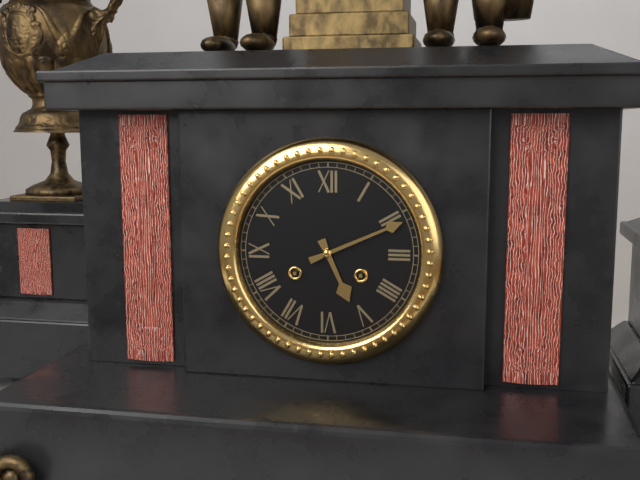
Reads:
5h11
